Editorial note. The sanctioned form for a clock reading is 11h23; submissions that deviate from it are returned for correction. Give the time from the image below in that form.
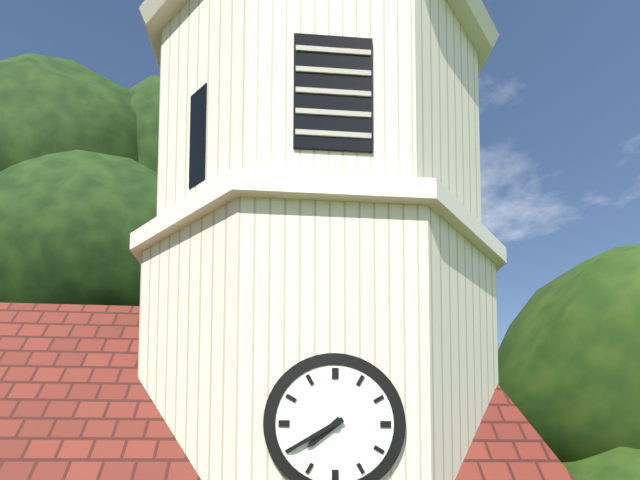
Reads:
7h40
